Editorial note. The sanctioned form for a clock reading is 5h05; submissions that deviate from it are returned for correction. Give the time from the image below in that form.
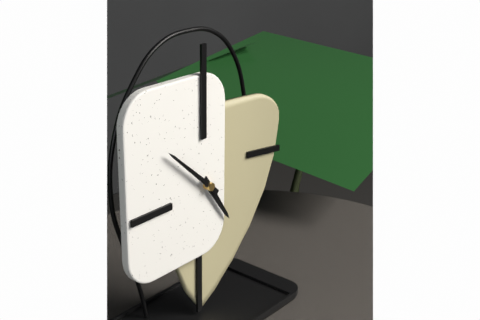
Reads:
4h52
